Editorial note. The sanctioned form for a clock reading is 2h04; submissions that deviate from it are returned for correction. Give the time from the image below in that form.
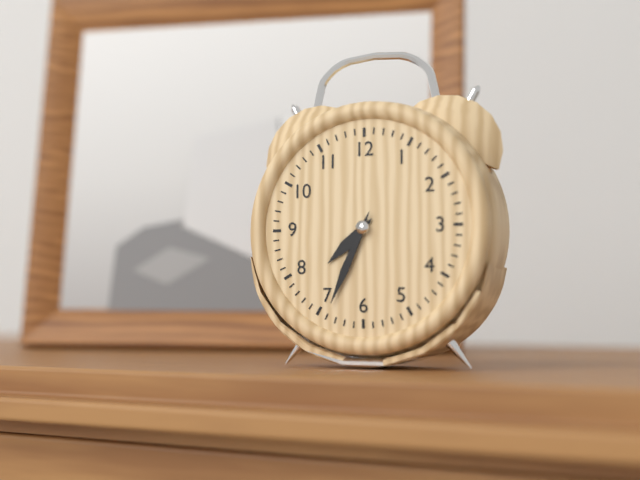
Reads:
7h34
